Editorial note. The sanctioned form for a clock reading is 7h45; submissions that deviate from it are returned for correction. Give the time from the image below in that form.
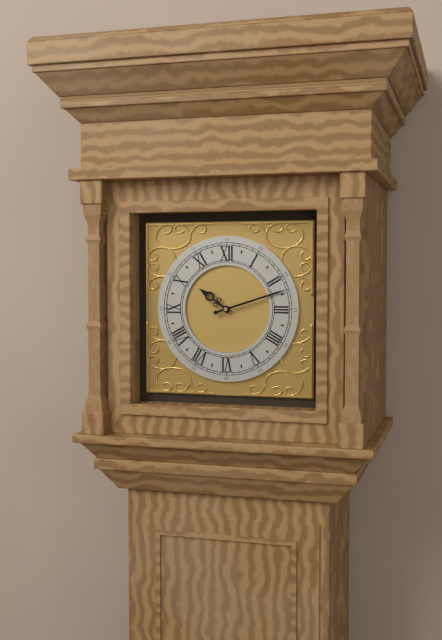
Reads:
10h12
